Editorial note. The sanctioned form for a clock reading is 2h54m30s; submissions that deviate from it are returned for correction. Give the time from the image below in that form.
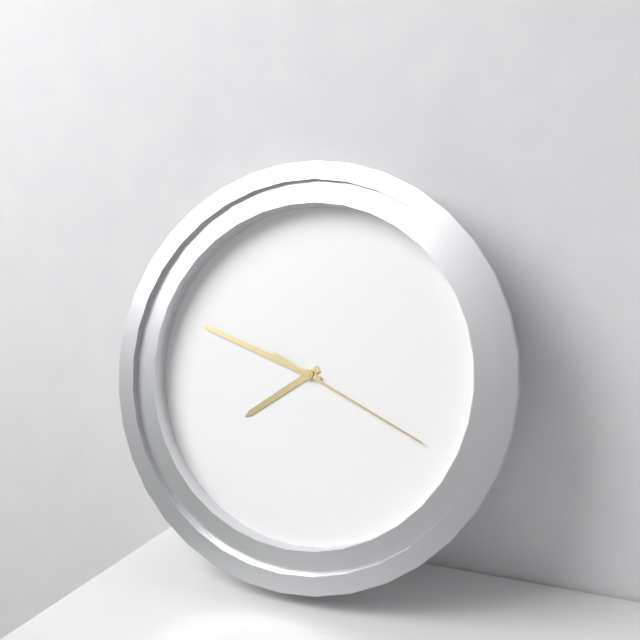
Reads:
7h48m19s
